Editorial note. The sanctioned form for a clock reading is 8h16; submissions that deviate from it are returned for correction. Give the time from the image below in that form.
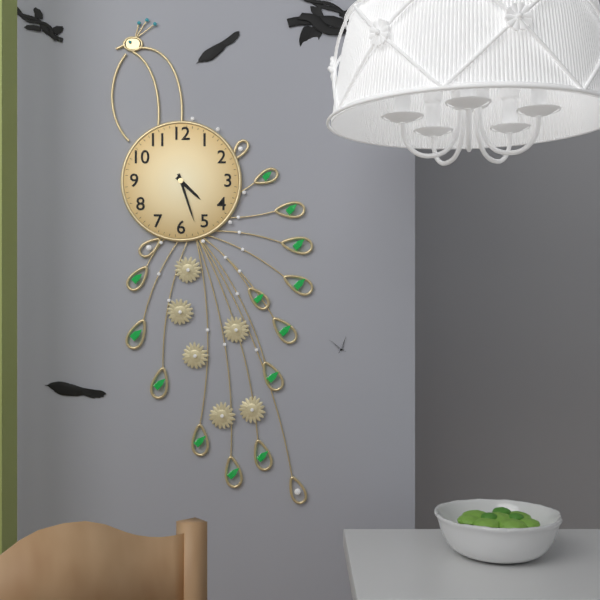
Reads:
4h27
